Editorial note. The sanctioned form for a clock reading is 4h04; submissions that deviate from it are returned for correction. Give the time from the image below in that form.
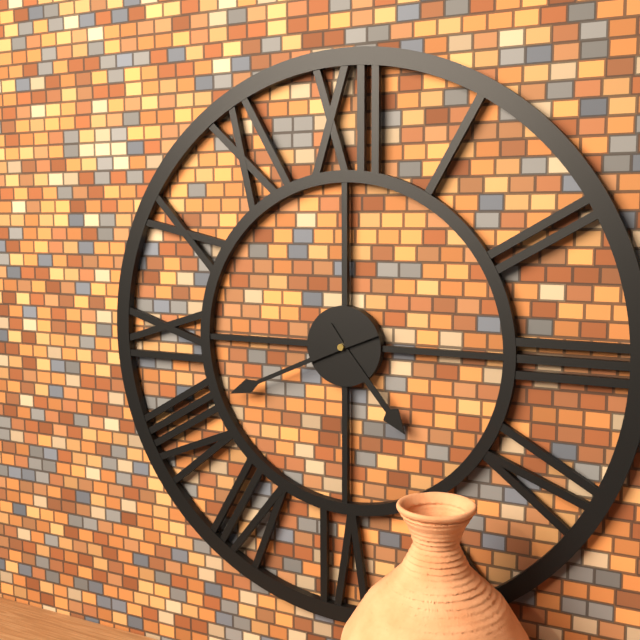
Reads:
4h41
